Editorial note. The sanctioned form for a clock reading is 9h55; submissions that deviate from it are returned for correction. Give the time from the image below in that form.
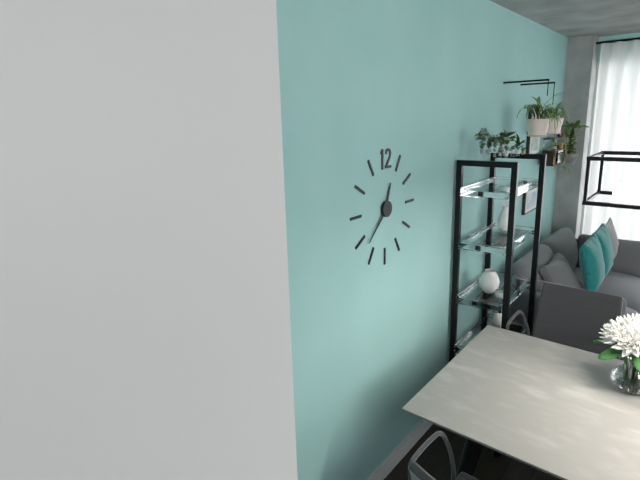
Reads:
12h38
